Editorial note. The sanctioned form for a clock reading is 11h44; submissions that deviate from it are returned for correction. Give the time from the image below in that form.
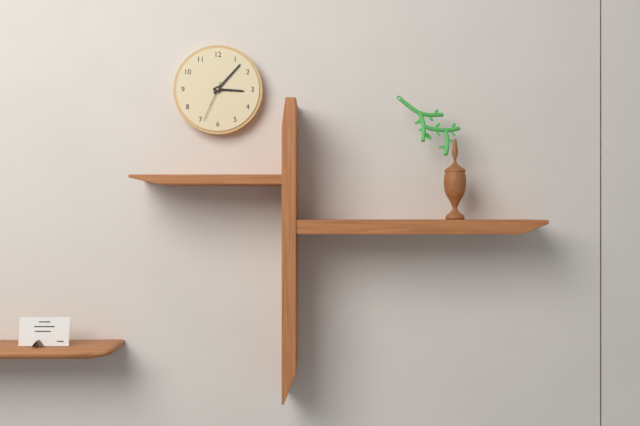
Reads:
3h07
